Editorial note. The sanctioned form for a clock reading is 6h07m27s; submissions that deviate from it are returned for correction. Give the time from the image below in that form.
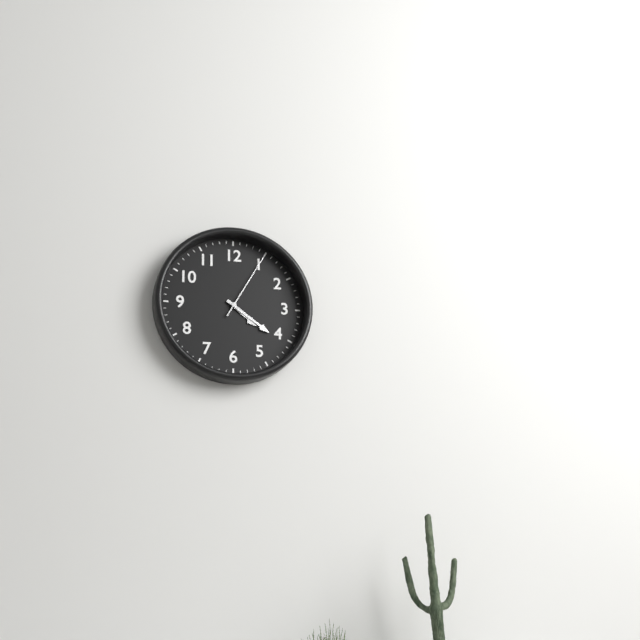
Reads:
4h21m05s
